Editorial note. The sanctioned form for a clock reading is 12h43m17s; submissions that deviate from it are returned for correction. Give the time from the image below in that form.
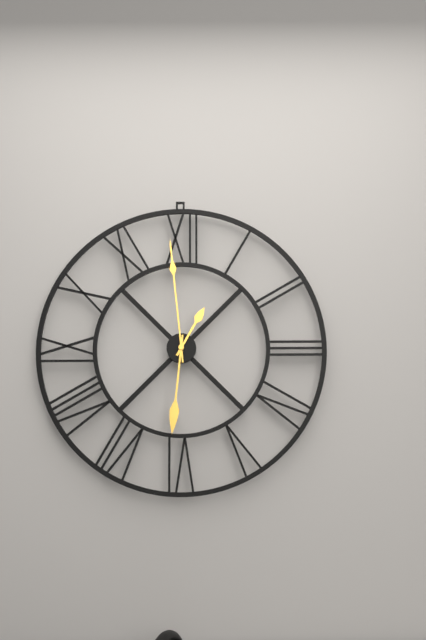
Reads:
12h59m31s
